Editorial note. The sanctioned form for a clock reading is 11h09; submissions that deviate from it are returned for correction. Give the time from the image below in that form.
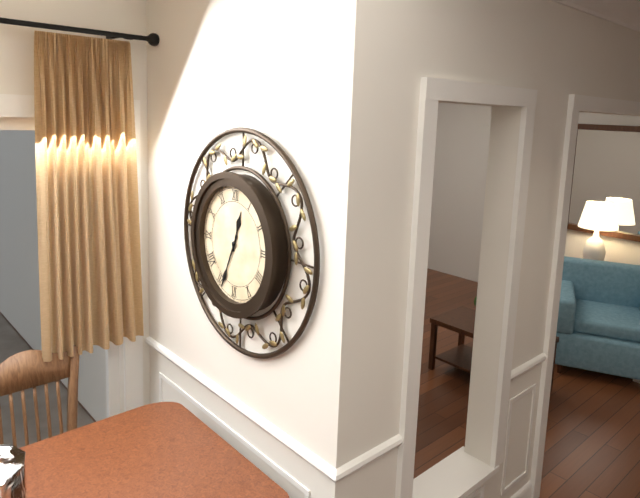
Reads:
12h34
